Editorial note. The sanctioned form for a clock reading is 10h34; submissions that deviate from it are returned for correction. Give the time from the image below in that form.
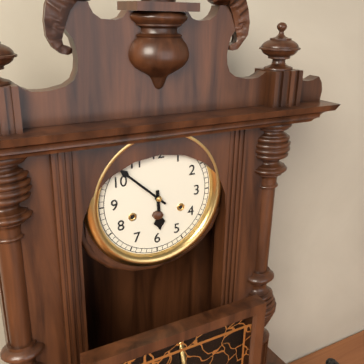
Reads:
5h52
